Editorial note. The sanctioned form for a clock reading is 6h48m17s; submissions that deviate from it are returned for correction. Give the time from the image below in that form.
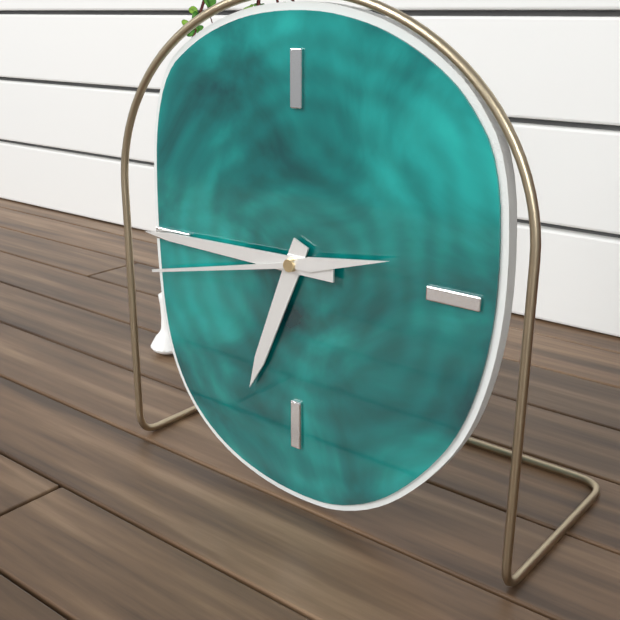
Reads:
6h45m43s
